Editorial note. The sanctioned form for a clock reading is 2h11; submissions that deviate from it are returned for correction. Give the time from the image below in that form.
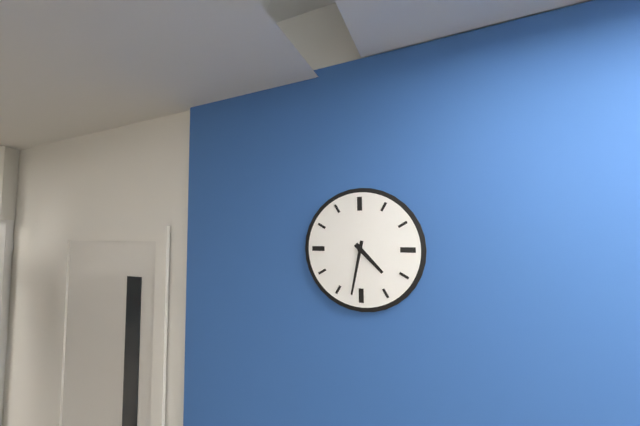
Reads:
4h32
